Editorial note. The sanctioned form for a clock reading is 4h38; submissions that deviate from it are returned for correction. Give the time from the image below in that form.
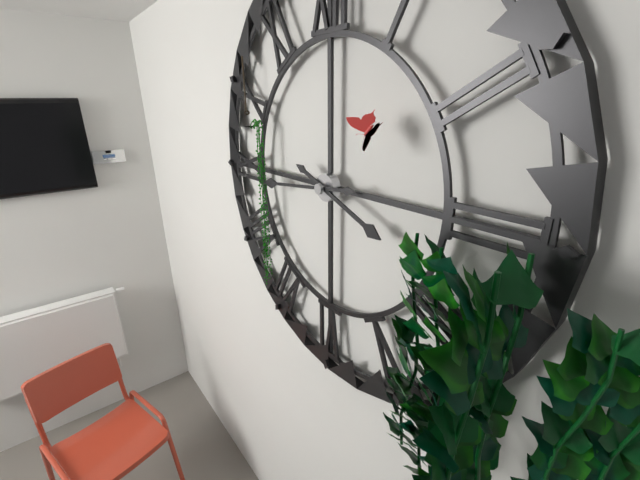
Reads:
3h44
